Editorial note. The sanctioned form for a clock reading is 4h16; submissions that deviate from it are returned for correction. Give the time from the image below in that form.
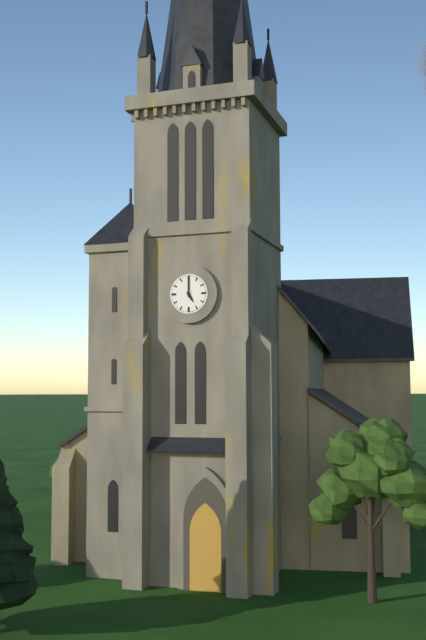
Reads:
5h00
